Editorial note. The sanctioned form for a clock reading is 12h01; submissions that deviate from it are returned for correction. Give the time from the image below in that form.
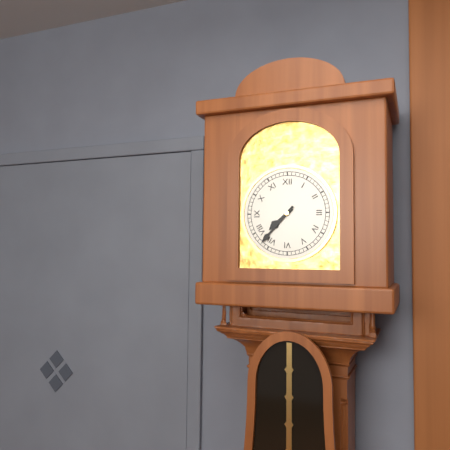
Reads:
7h37
